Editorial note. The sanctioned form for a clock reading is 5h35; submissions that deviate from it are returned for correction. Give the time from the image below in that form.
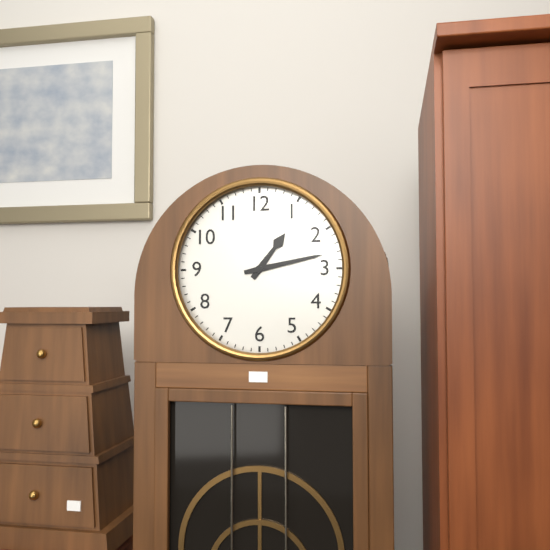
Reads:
1h13
